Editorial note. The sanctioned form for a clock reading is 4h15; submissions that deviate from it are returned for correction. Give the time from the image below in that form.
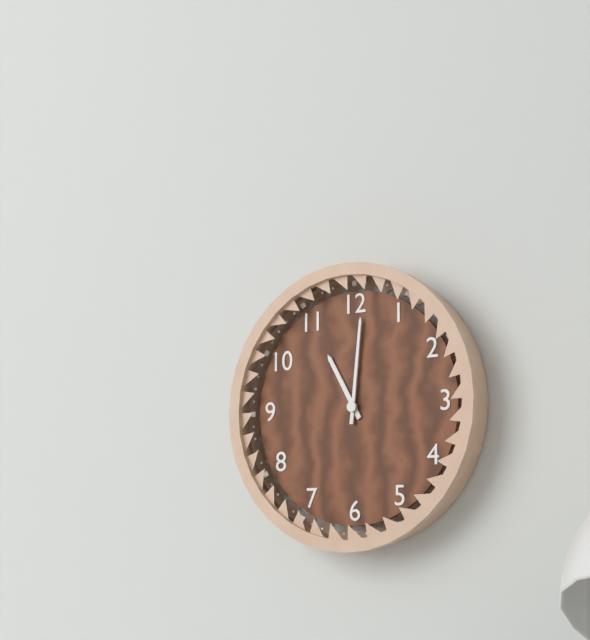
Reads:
11h01
